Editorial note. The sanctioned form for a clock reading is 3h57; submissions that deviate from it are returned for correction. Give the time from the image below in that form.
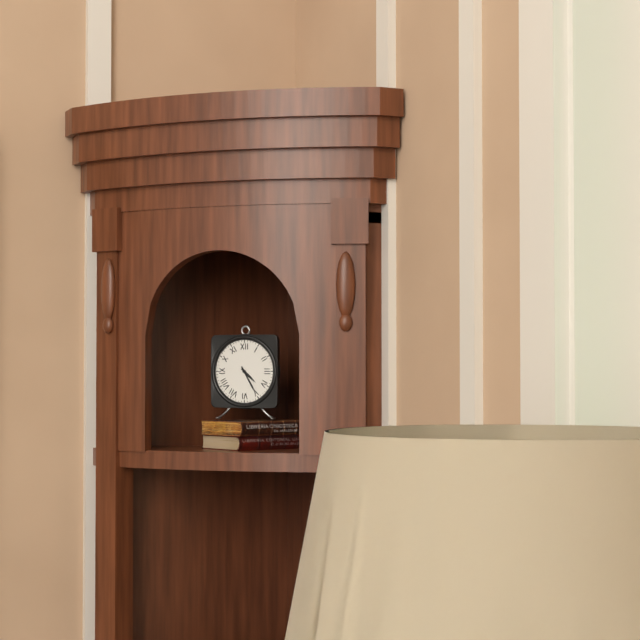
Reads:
4h25
